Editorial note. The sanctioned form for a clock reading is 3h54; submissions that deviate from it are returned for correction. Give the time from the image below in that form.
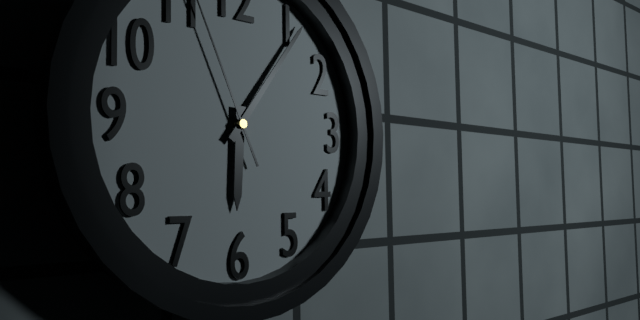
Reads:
6h06
